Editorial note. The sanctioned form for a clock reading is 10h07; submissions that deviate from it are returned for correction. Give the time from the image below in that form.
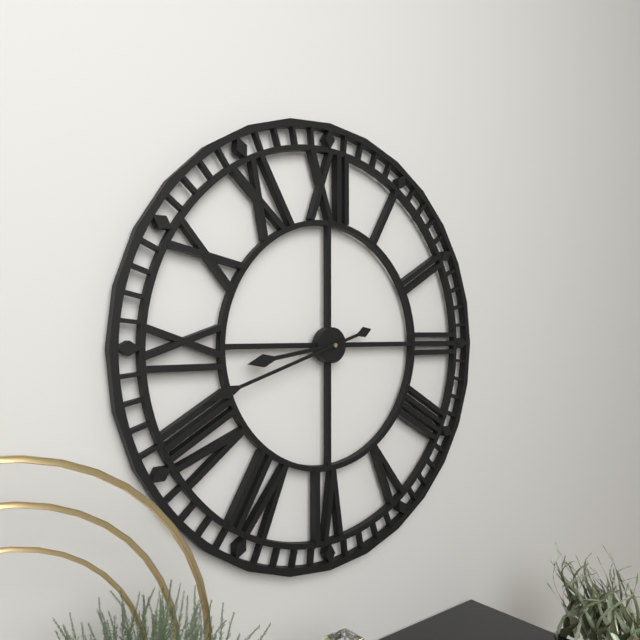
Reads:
8h42
